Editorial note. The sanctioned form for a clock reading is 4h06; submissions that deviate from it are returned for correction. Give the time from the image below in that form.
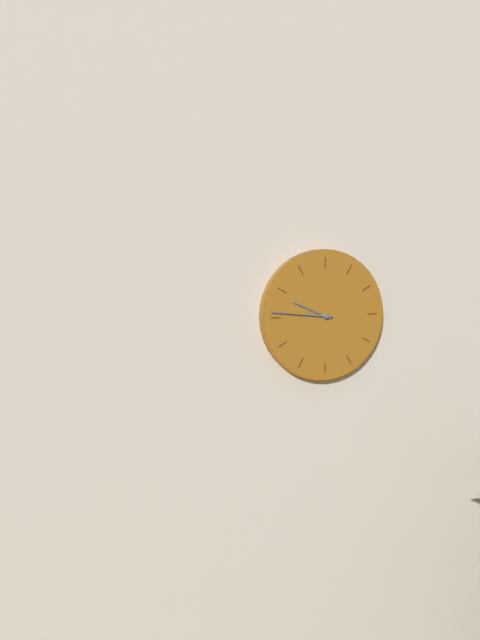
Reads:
9h46
